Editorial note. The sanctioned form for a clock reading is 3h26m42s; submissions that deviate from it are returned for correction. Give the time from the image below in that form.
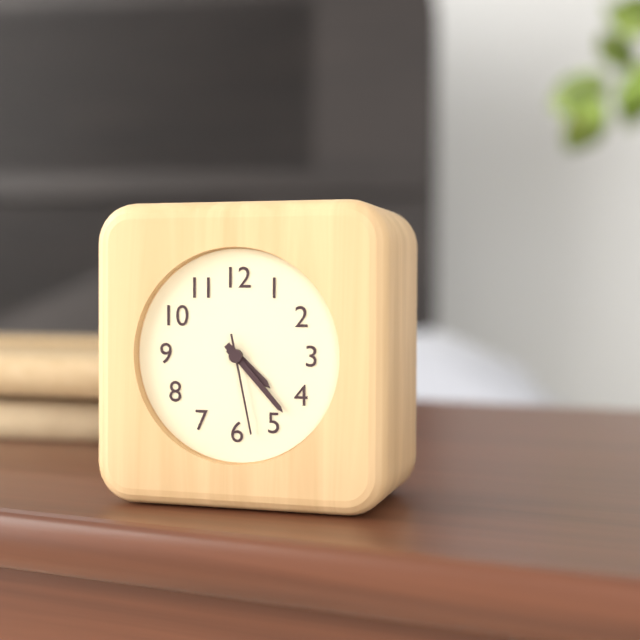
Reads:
4h23m28s
